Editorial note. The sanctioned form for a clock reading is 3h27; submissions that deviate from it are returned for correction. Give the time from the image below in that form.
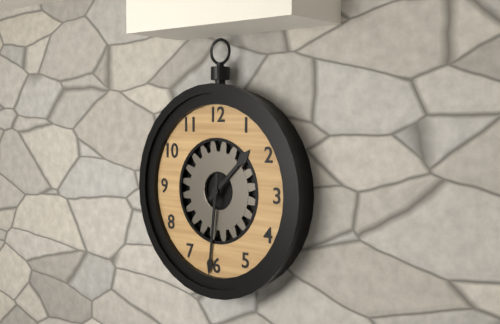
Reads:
1h31
